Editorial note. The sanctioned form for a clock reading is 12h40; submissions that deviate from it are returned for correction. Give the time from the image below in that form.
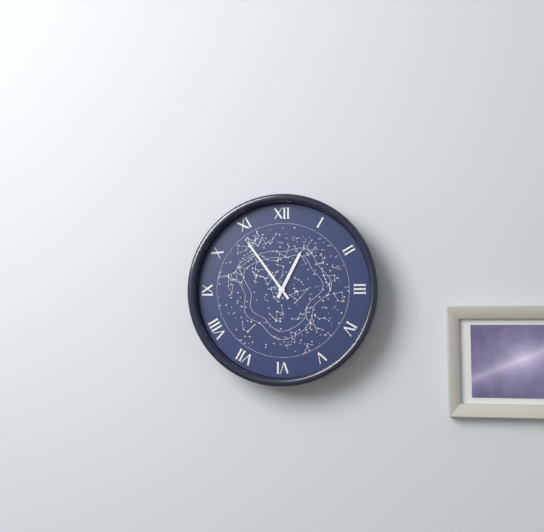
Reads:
12h54
